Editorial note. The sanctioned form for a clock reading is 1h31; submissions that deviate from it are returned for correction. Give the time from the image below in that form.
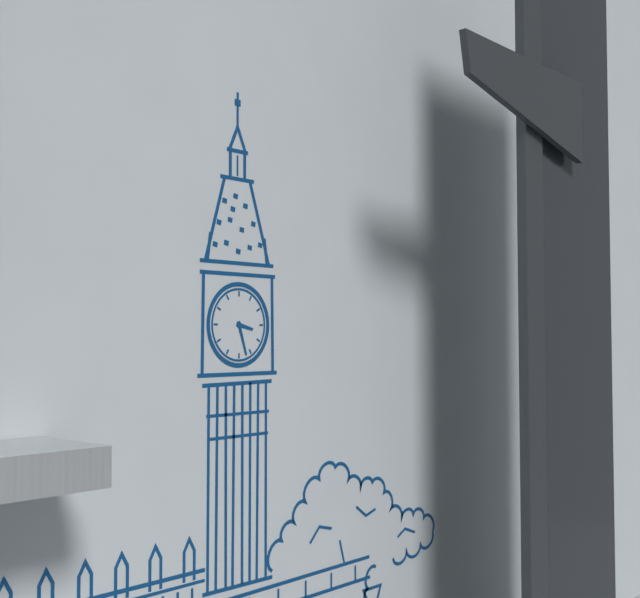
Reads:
3h27
